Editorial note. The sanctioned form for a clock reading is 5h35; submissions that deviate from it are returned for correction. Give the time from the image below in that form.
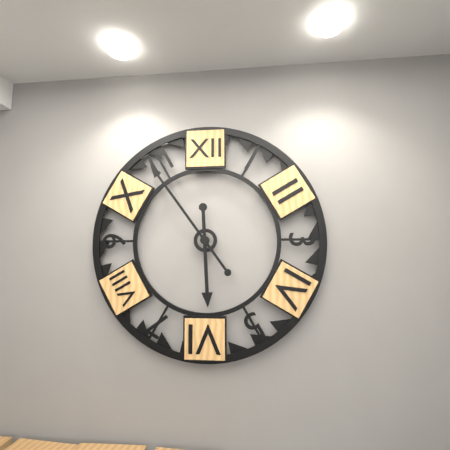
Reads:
5h54
